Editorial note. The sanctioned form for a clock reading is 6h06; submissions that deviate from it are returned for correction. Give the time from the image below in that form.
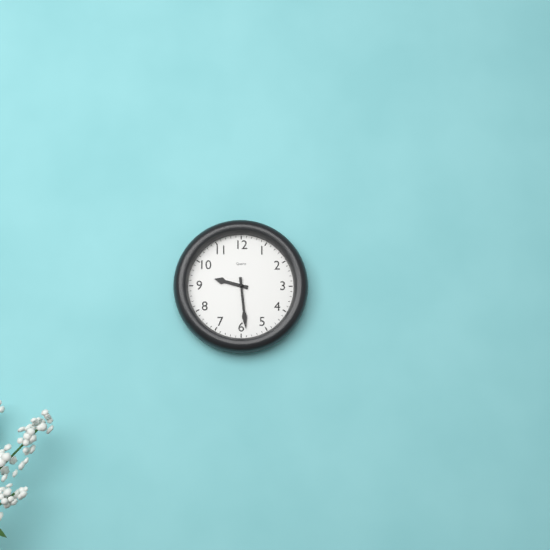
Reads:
9h29
